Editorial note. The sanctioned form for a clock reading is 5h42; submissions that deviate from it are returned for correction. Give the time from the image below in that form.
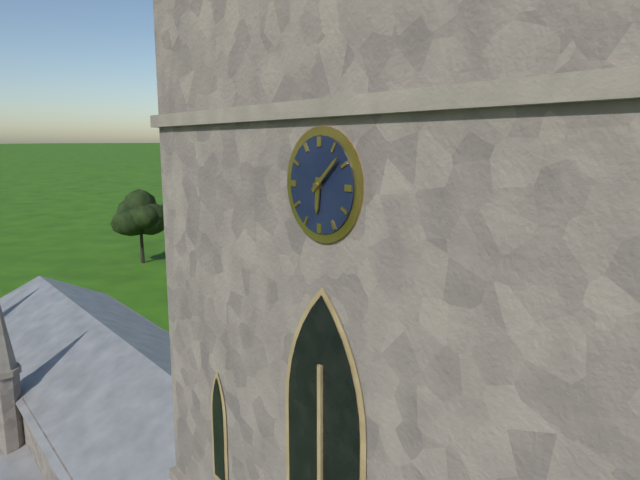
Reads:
6h08
